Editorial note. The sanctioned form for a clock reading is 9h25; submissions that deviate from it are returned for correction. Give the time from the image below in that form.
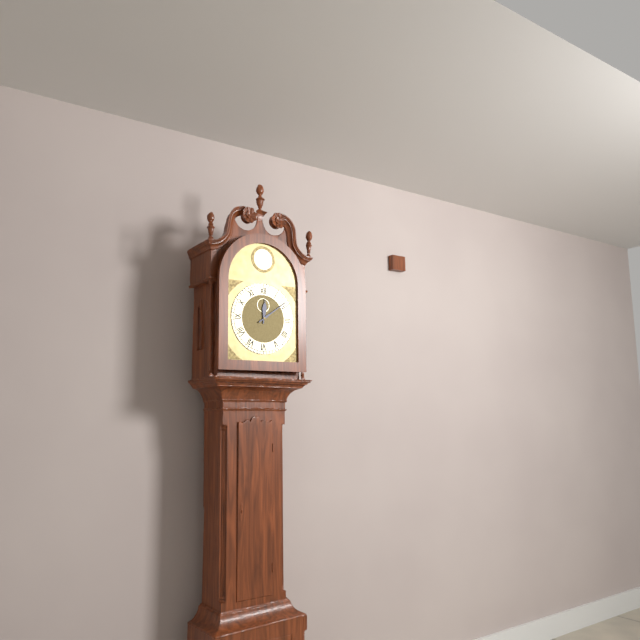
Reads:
12h09
